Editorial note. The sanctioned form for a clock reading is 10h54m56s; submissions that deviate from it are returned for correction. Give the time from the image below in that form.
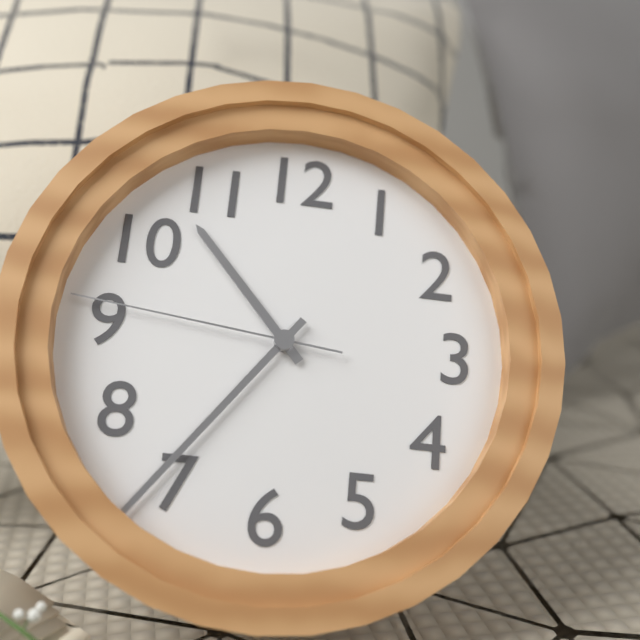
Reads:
10h36m46s
